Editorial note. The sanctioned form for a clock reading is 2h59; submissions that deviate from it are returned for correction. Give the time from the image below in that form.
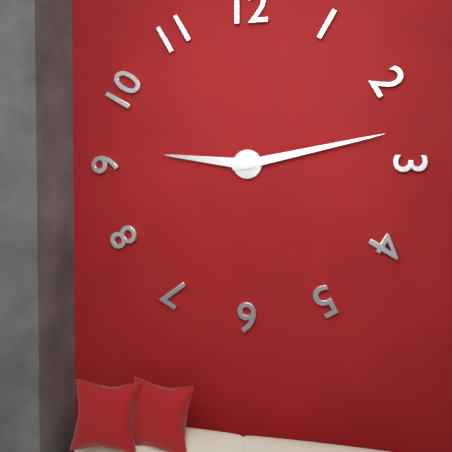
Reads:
9h13
